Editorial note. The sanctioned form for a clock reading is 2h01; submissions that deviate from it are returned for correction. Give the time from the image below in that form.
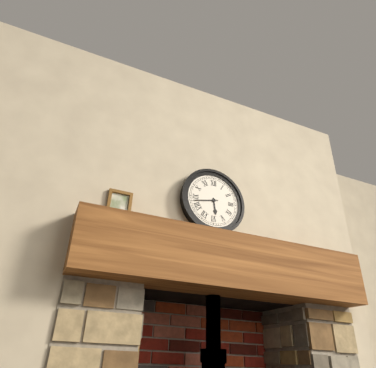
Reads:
5h43
